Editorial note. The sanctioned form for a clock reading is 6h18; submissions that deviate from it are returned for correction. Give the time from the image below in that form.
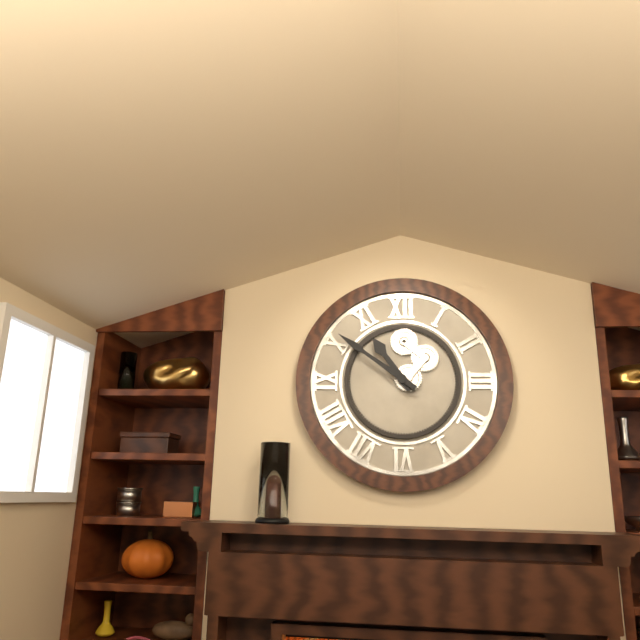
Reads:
10h51
